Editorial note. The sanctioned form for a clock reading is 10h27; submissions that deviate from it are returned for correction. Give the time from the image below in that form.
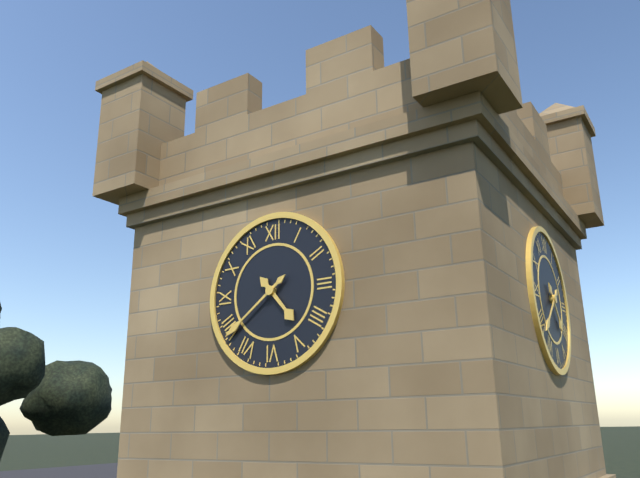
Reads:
4h39
